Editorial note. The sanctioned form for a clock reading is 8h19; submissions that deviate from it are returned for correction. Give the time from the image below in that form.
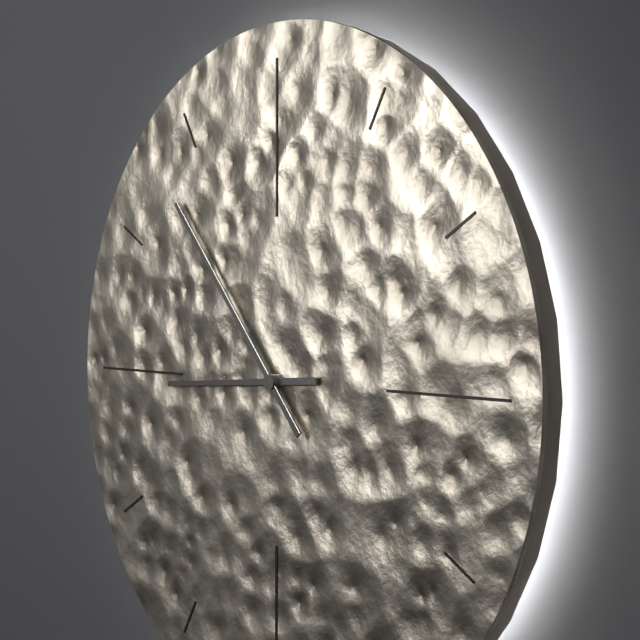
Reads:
8h53
